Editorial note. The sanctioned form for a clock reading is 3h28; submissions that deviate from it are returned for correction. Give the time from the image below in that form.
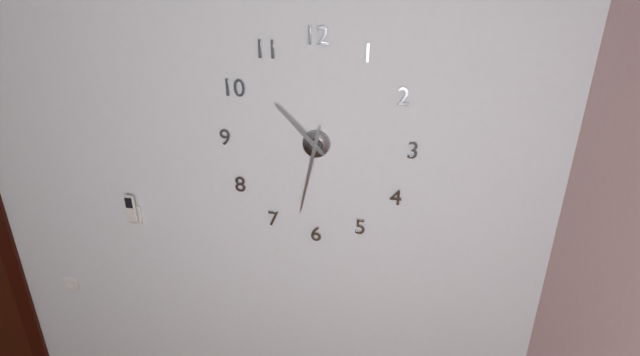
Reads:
10h32
